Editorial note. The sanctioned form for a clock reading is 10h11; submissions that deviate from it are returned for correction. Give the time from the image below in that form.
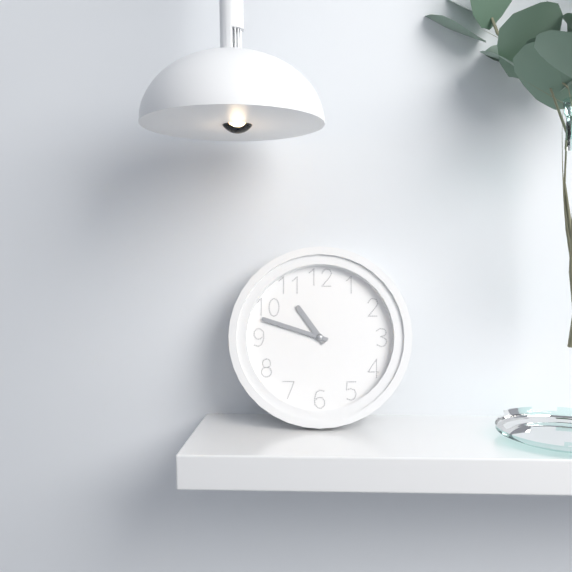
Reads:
10h48
